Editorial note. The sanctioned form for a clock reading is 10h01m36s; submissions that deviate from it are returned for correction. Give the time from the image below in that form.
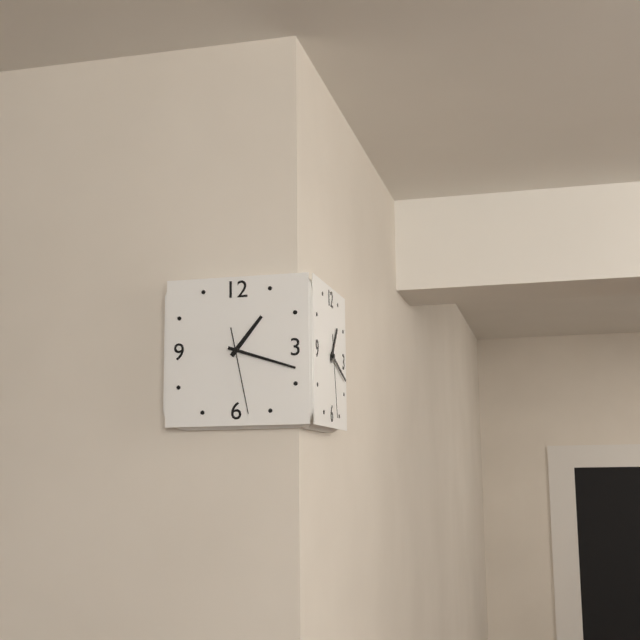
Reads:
1h18m28s
